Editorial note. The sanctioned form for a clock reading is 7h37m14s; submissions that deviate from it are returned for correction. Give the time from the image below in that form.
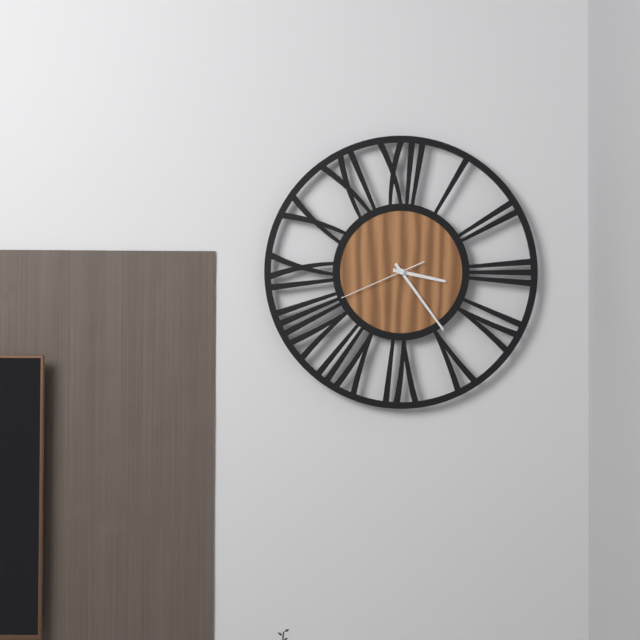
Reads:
3h24m41s
